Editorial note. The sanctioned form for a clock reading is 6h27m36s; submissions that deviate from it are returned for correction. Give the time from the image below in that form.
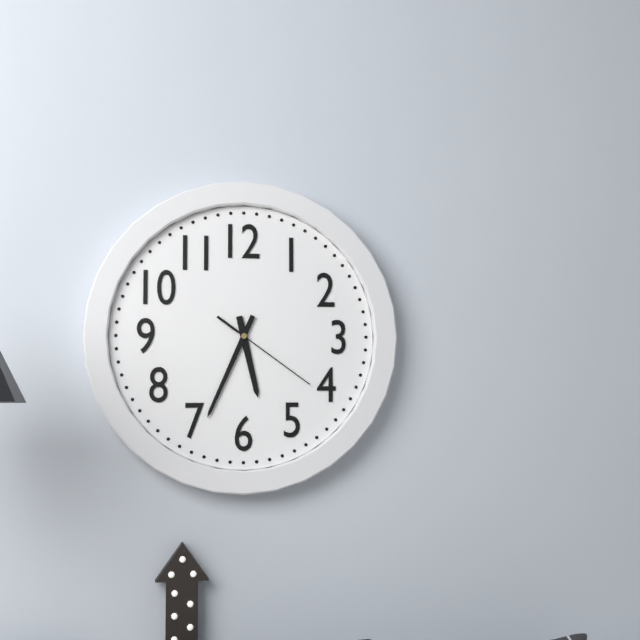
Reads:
5h34m21s
